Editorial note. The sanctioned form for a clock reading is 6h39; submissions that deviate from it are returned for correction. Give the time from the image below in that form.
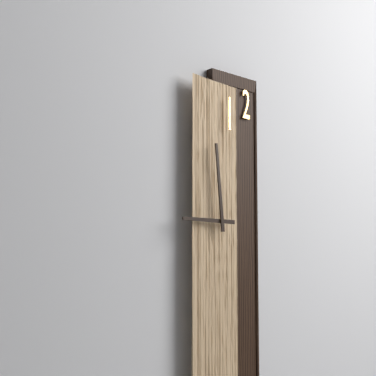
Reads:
8h59
